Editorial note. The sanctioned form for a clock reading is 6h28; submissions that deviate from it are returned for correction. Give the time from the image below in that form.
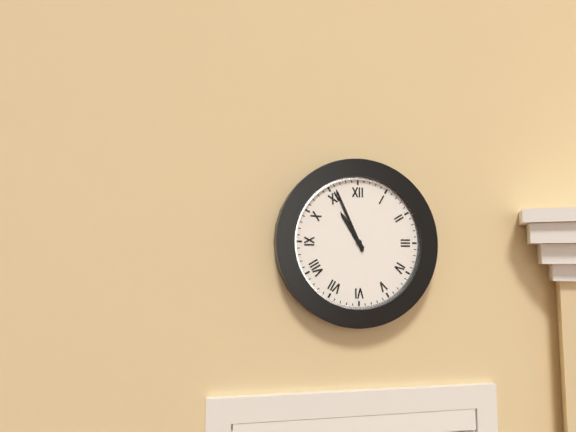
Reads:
10h56
